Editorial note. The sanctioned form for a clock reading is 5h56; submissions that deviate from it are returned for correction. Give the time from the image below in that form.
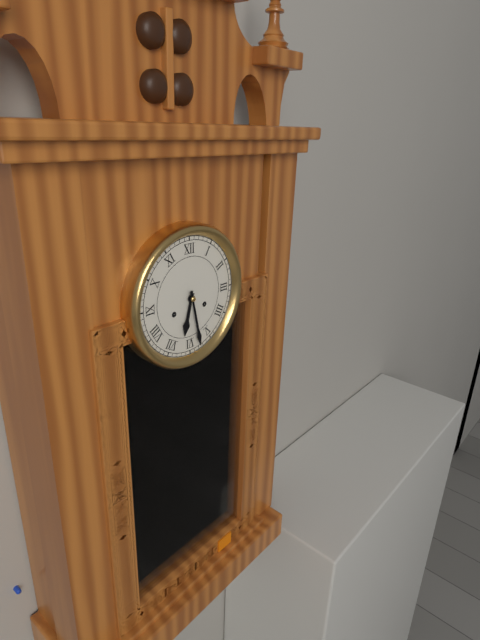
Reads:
6h28
